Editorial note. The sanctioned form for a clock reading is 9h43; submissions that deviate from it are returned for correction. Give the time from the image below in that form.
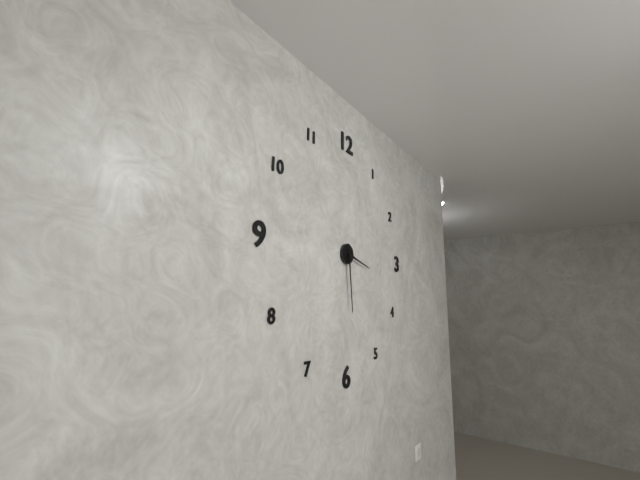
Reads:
3h29
